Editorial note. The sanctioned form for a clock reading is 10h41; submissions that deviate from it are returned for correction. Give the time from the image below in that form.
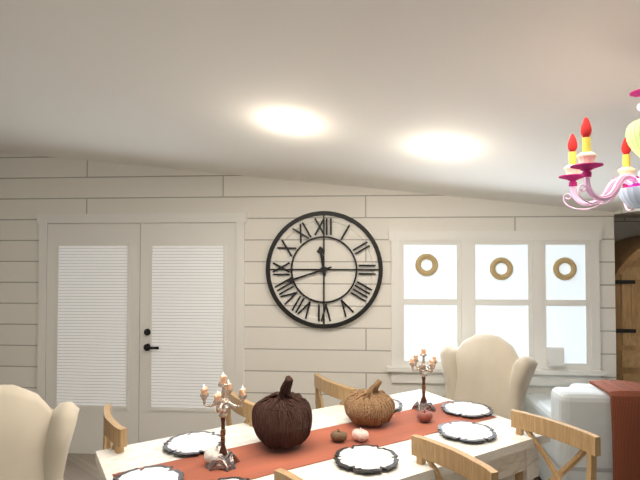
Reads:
11h42
